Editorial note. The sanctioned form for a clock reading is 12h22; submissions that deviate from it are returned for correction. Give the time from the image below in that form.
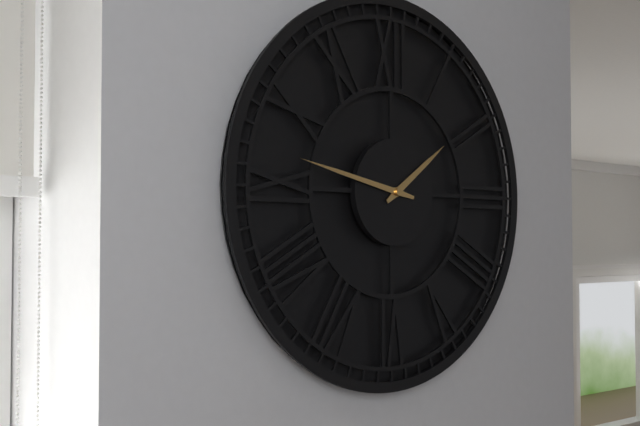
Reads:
1h47
